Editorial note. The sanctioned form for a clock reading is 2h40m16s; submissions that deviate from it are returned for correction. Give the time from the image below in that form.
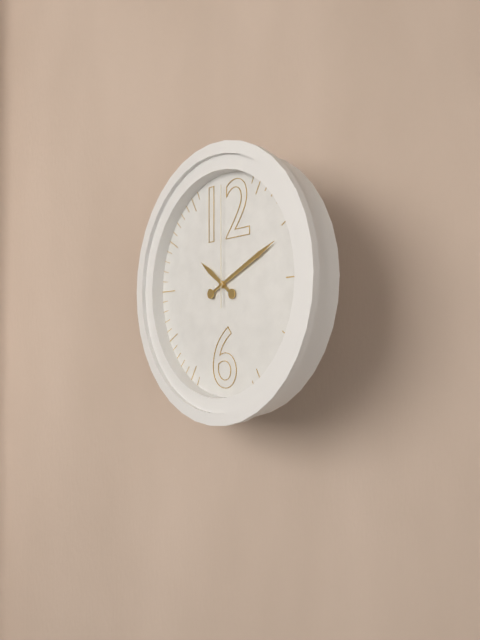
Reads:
10h11m00s
